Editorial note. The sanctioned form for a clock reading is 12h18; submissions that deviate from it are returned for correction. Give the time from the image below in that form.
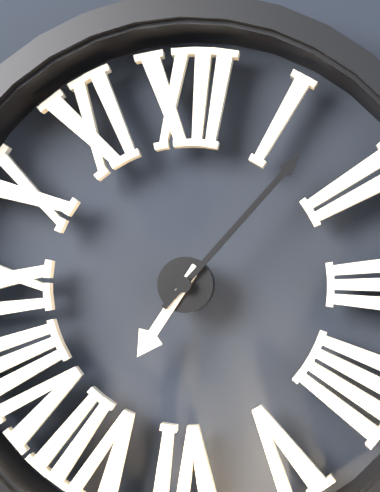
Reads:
7h07
